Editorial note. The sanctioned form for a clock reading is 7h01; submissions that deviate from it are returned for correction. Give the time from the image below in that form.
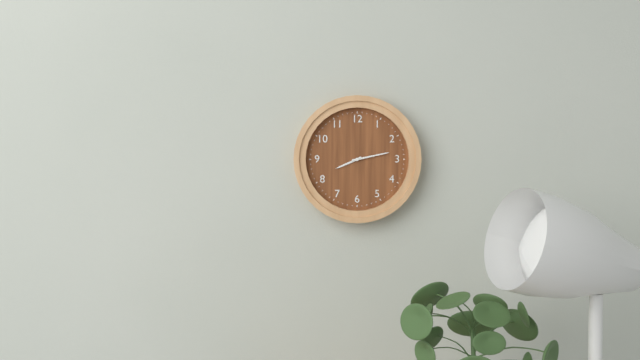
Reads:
8h13
